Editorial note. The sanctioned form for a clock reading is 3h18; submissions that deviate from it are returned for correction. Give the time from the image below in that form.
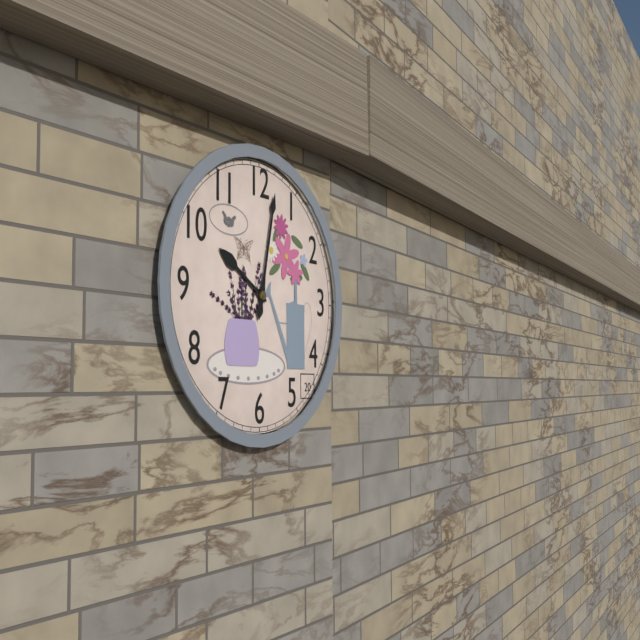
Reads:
10h02
